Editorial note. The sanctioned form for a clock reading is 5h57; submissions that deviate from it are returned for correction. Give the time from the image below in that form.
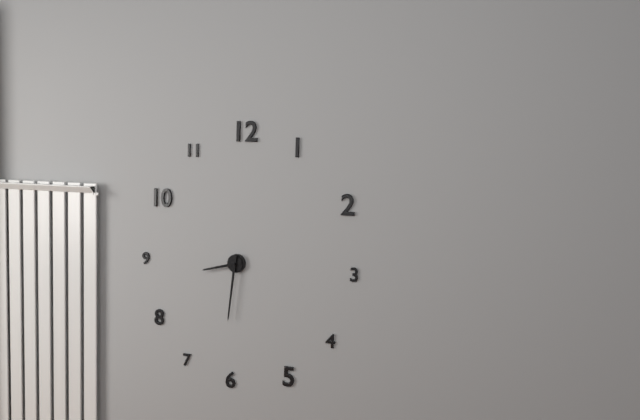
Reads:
8h31
